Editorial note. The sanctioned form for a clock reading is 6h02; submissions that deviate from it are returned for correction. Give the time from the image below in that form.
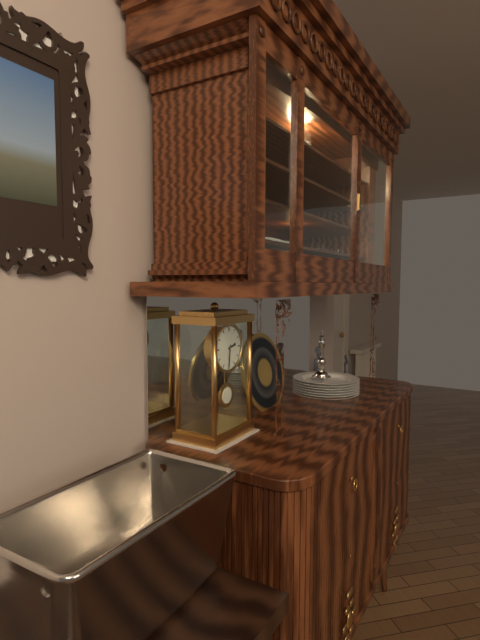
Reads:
2h31
